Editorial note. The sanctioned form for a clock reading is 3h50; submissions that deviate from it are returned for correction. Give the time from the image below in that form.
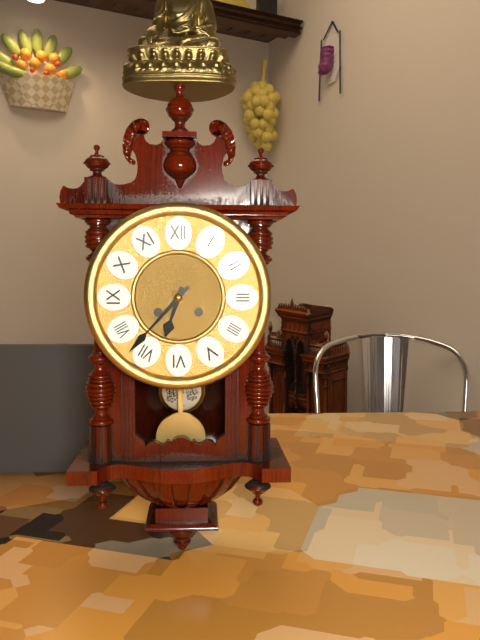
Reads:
6h37
